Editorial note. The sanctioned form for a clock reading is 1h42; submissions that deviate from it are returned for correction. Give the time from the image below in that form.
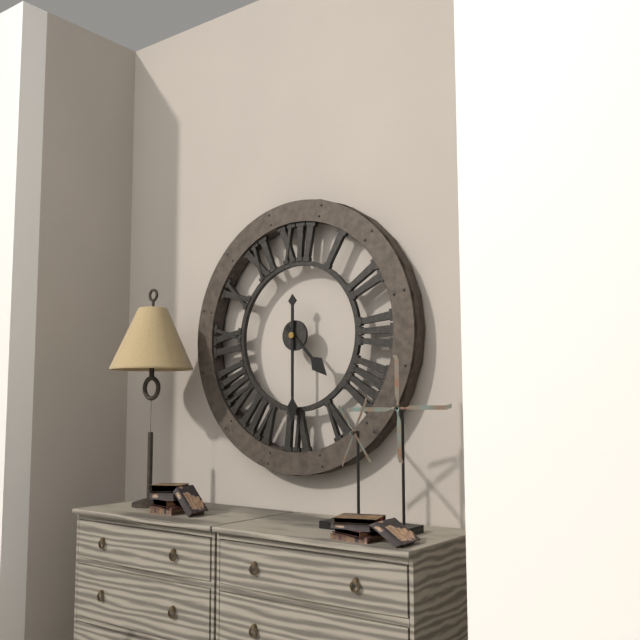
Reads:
4h30
